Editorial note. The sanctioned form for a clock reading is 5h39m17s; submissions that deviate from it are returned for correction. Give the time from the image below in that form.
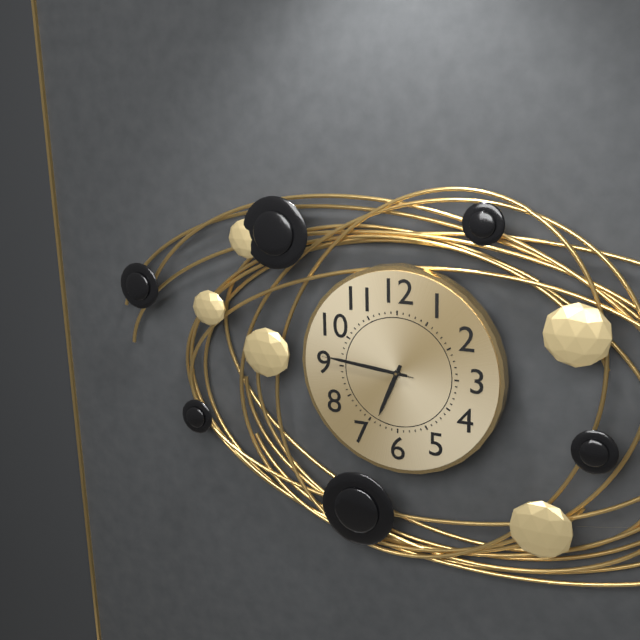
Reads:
6h46m46s
